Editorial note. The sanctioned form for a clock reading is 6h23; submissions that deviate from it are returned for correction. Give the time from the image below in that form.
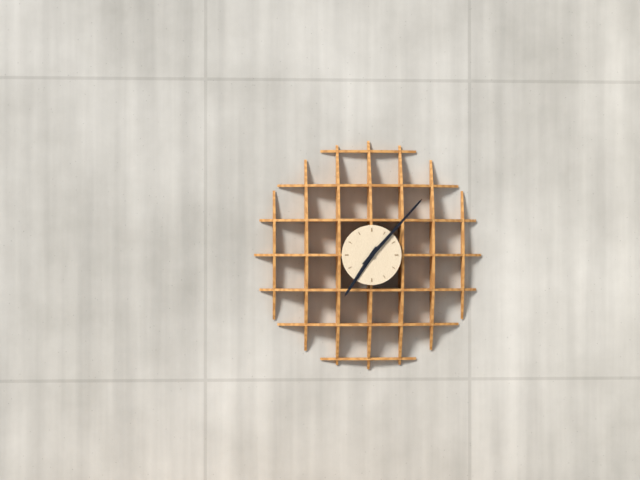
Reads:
7h07
